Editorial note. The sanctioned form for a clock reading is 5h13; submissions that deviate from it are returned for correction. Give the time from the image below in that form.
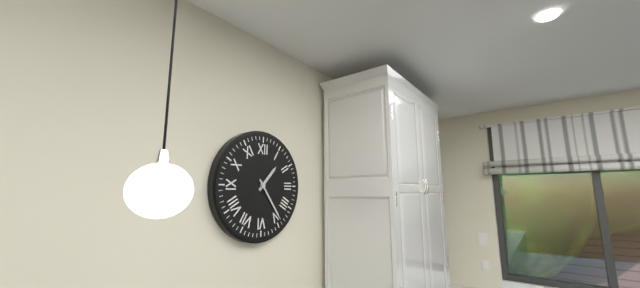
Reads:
1h24
